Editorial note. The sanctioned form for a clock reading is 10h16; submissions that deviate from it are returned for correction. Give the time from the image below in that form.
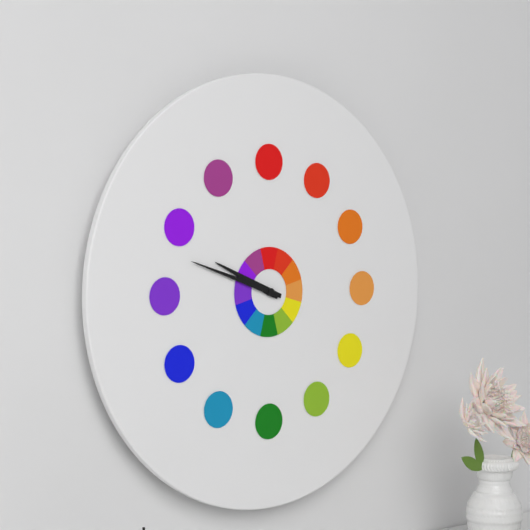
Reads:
9h48
